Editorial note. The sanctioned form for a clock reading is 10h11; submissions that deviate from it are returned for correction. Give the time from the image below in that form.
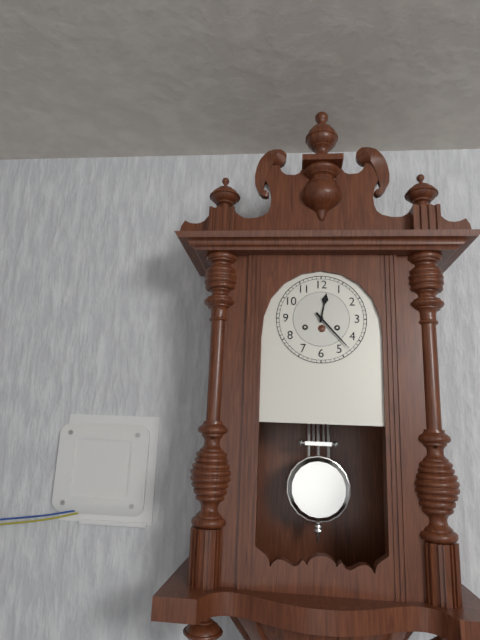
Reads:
12h23
